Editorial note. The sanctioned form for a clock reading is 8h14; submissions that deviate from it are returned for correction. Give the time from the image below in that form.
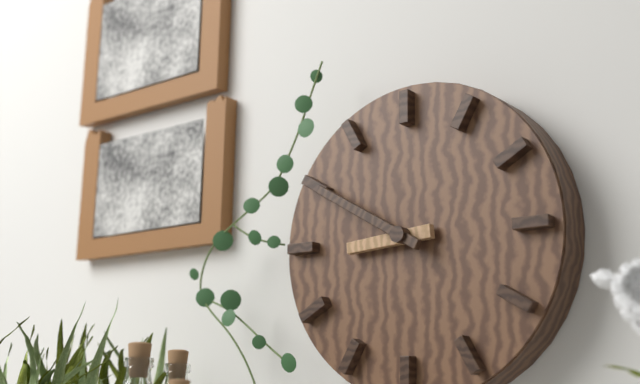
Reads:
8h50
